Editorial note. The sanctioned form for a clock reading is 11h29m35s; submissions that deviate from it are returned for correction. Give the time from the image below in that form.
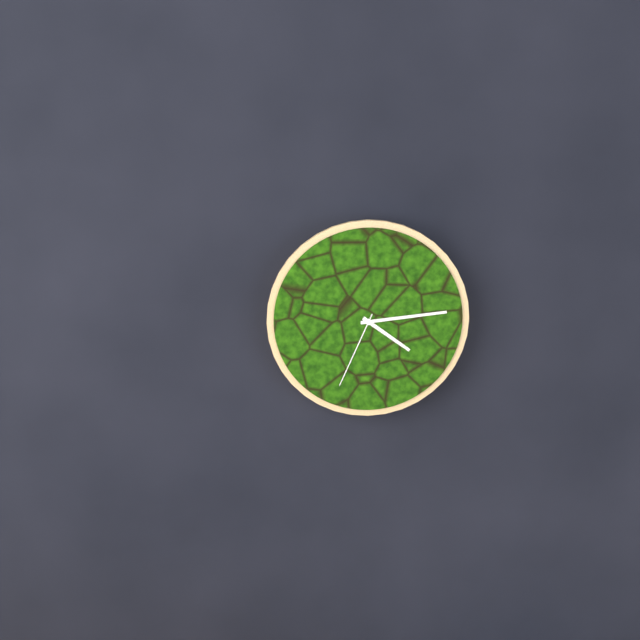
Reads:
4h14m34s
